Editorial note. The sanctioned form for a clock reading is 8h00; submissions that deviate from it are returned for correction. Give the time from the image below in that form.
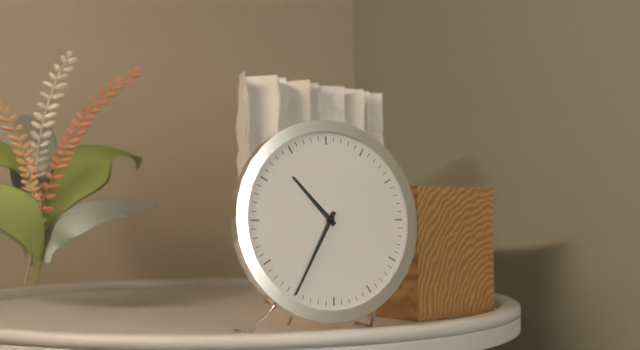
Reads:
10h35
